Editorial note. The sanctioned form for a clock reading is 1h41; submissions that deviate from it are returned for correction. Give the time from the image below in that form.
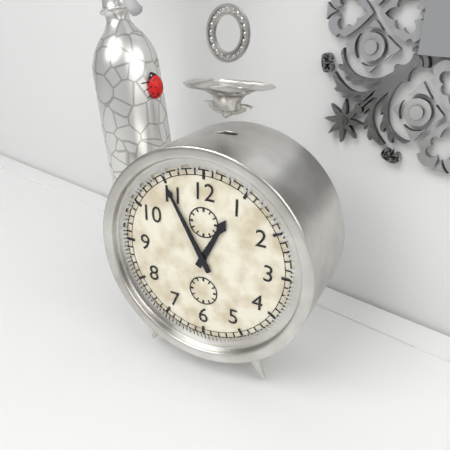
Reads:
12h55
